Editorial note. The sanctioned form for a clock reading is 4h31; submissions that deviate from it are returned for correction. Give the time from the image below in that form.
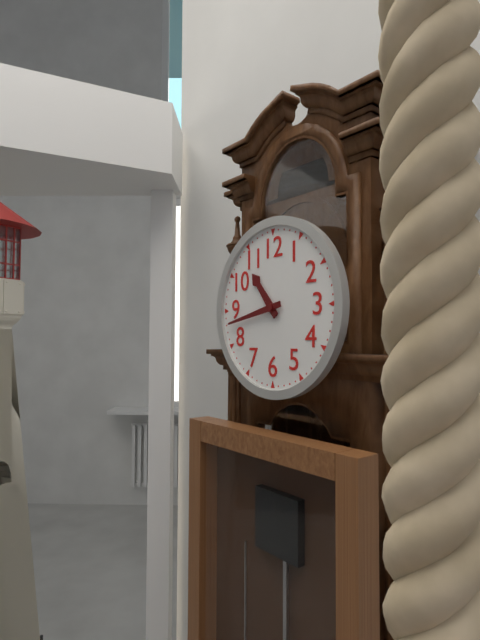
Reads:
10h43
